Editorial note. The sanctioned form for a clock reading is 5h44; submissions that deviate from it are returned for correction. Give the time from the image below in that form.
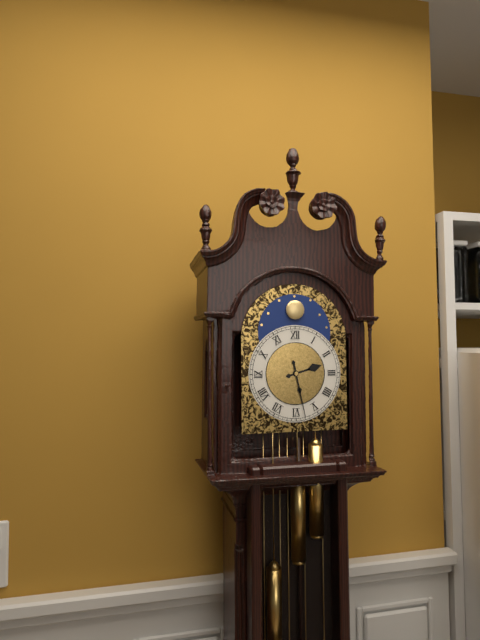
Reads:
2h28
